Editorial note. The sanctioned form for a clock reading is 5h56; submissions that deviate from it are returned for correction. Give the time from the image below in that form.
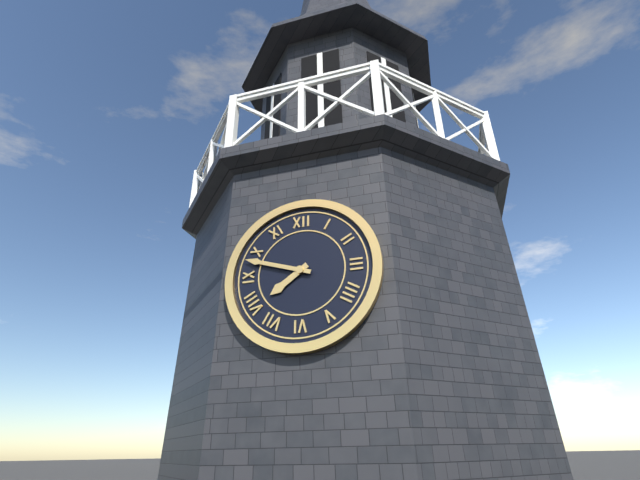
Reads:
7h48
